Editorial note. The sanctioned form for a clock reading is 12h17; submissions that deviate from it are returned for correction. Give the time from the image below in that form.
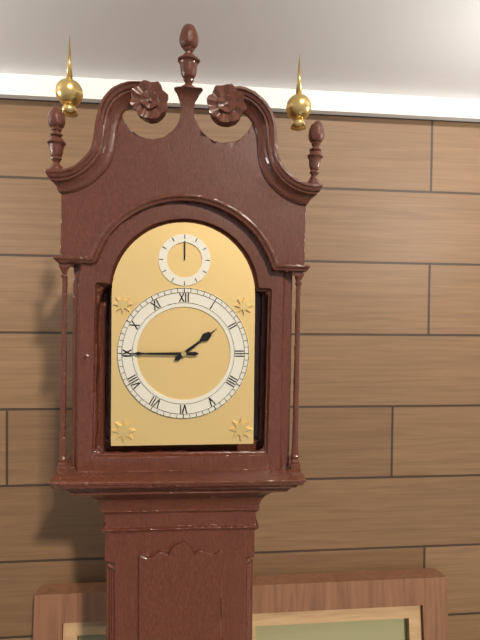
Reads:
1h45
